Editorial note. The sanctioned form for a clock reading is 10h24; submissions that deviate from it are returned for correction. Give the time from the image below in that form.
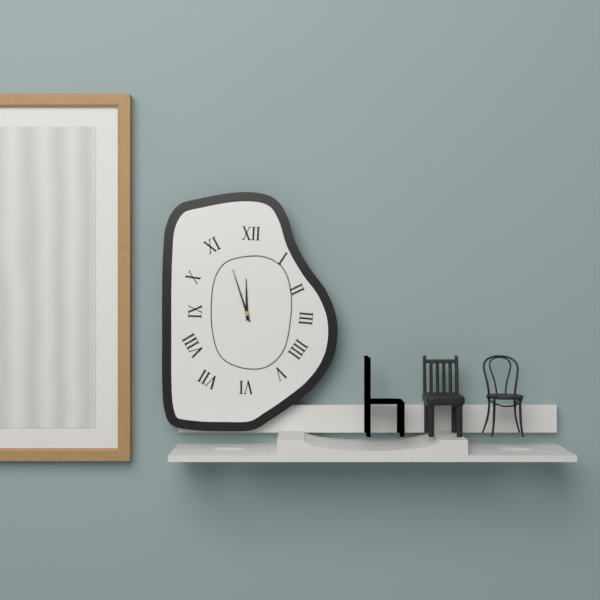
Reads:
11h57
